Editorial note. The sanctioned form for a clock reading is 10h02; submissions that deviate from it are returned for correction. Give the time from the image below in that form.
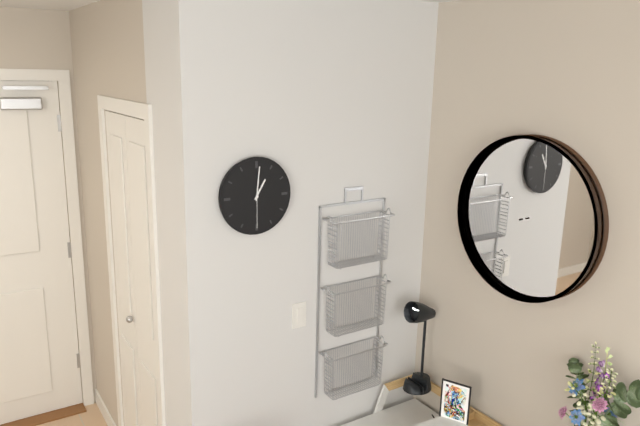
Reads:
1h01
